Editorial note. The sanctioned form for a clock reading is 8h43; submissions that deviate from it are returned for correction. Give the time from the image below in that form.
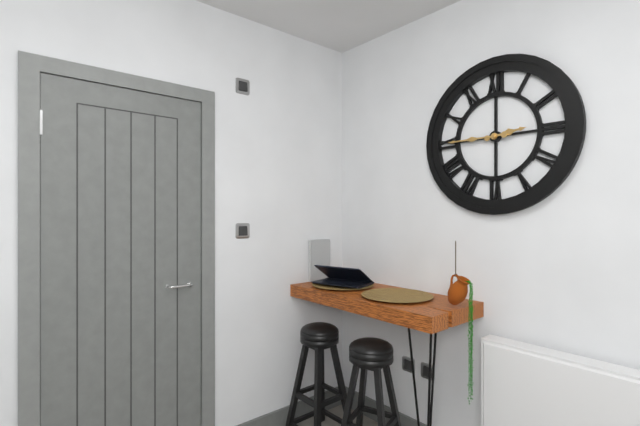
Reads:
2h45
